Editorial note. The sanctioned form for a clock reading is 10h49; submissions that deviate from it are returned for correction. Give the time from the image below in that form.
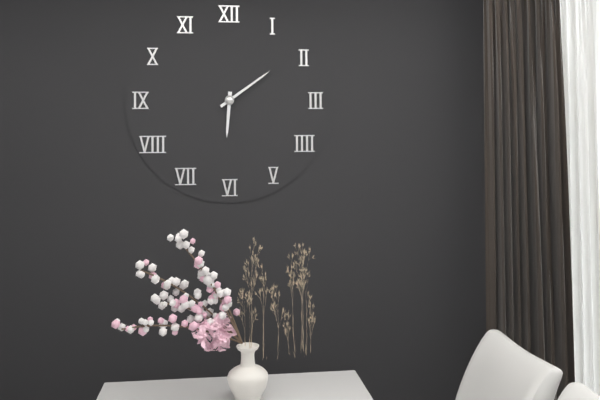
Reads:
6h09
